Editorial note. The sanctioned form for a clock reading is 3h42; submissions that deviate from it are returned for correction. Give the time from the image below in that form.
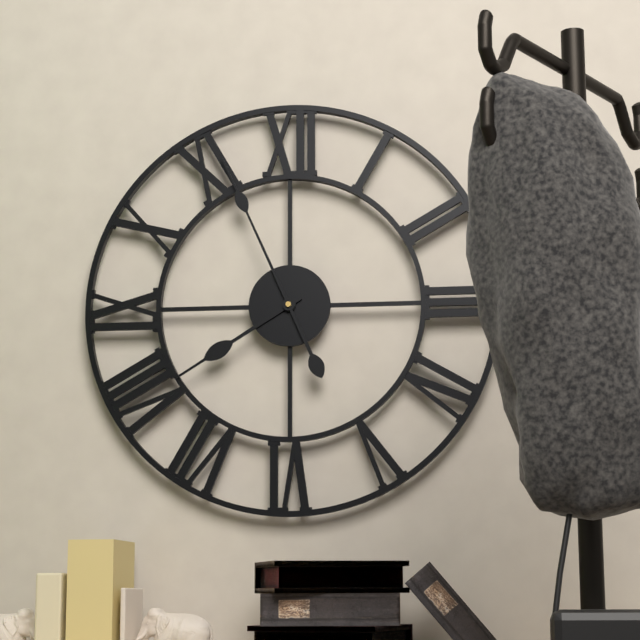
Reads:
7h56
